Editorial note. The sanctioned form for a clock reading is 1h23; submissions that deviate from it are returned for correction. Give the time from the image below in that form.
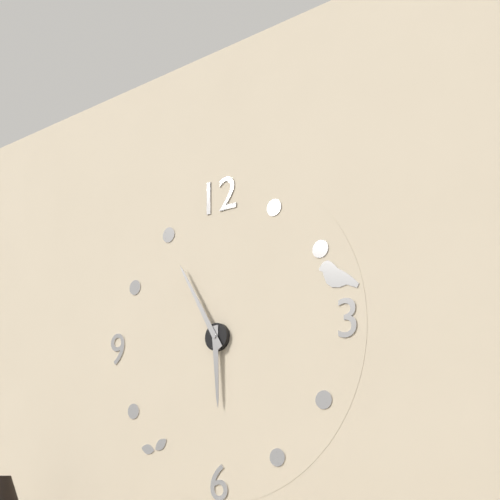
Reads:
5h55
